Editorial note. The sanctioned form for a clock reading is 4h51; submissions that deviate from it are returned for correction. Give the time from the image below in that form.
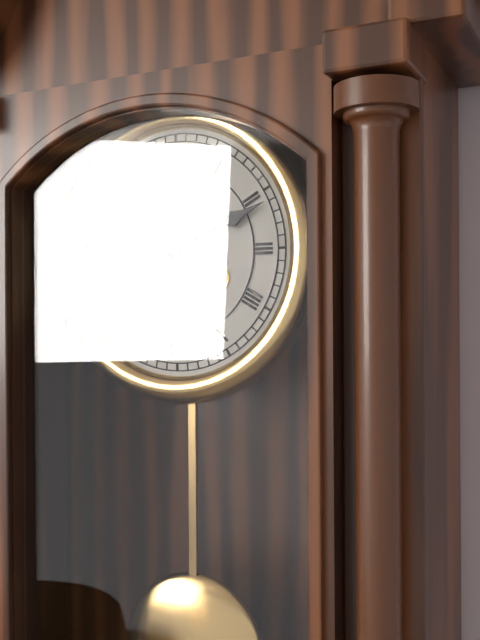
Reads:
7h11
